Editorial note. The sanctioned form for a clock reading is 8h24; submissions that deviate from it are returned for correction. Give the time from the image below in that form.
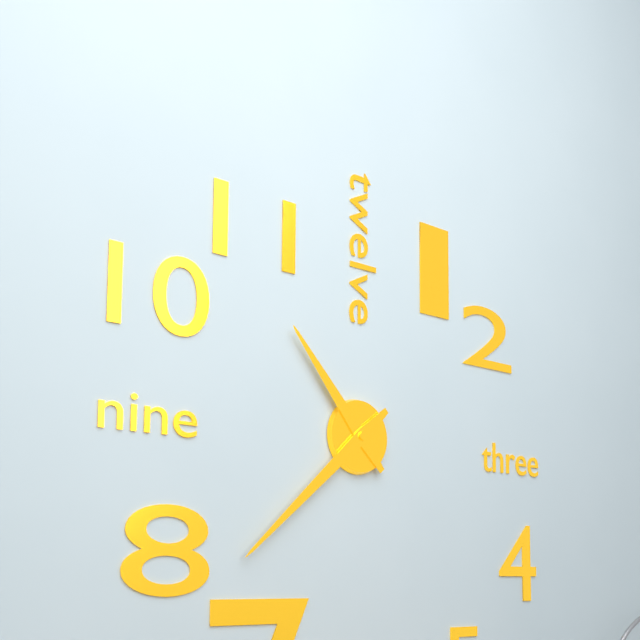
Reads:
10h38
